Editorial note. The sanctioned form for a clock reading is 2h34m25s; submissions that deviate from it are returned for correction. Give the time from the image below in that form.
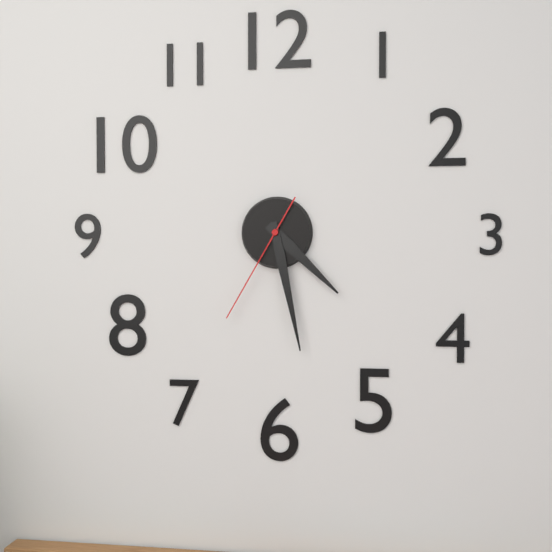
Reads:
4h28m35s
